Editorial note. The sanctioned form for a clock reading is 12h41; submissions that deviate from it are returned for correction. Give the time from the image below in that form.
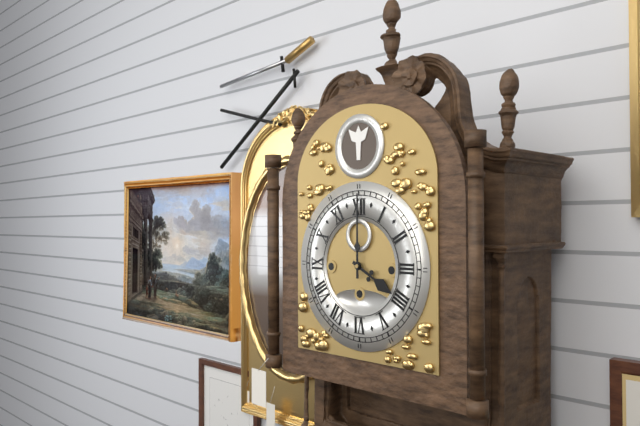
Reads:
4h00
